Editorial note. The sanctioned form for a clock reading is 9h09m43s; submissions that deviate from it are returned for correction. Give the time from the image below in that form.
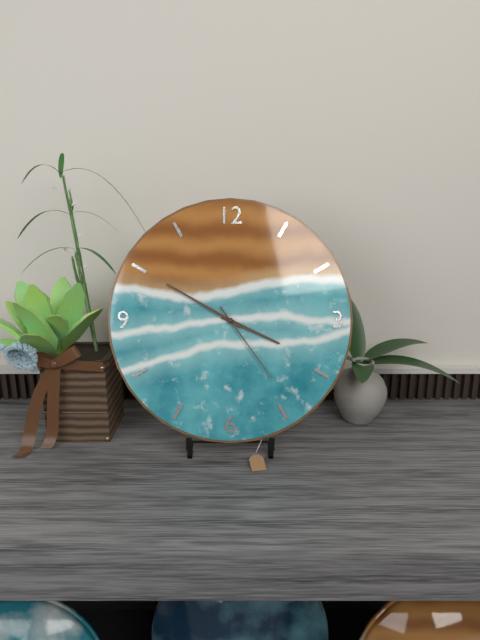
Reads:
3h50m24s
